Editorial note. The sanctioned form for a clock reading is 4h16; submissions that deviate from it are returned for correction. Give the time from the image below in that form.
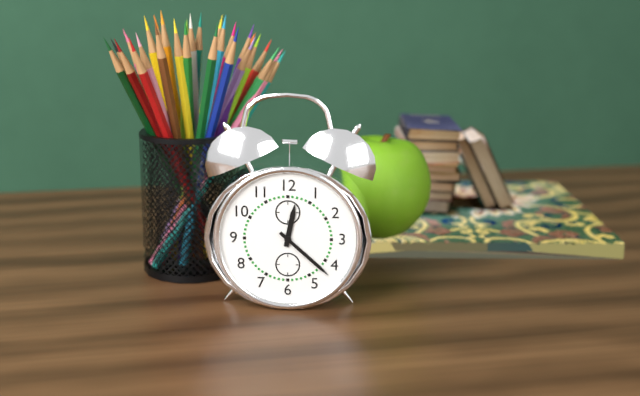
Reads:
12h22
